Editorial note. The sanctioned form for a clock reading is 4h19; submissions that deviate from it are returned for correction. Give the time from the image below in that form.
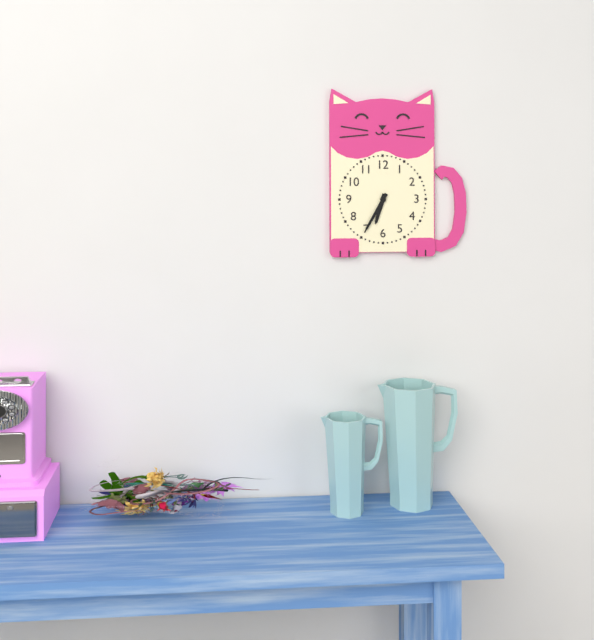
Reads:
6h35
